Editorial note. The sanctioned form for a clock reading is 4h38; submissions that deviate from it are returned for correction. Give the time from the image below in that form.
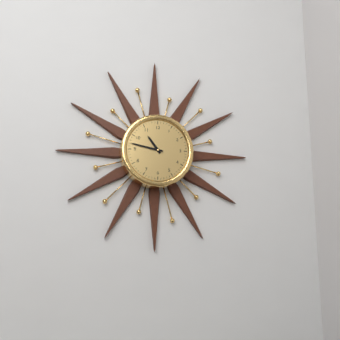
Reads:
10h47
